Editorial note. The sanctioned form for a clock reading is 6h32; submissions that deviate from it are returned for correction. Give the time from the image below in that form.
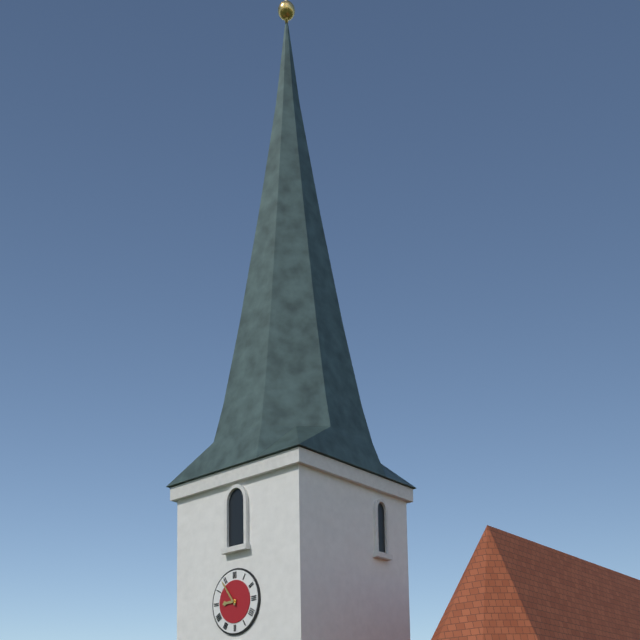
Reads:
8h54
